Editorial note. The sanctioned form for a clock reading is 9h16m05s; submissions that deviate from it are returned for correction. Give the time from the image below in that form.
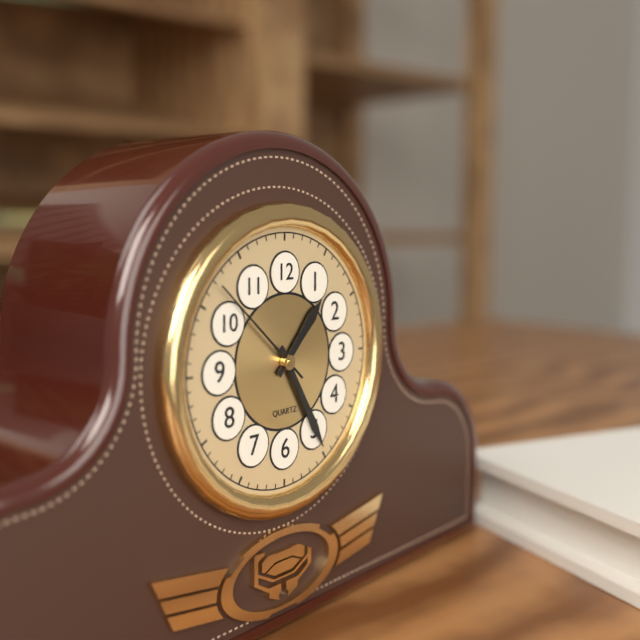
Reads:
1h25m52s
